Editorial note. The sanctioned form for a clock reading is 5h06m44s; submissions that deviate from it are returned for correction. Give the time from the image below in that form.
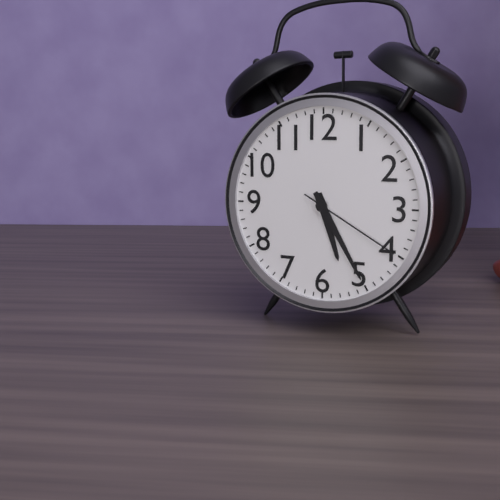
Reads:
5h25m20s
